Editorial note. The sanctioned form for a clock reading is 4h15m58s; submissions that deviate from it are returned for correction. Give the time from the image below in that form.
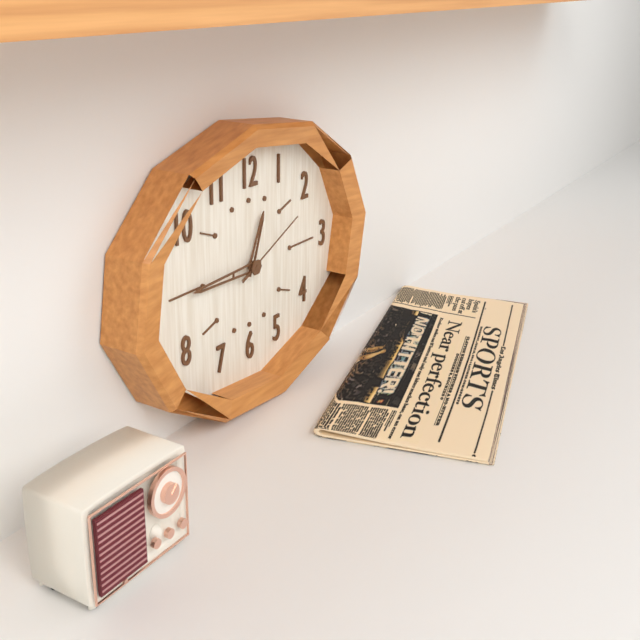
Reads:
12h45m11s
